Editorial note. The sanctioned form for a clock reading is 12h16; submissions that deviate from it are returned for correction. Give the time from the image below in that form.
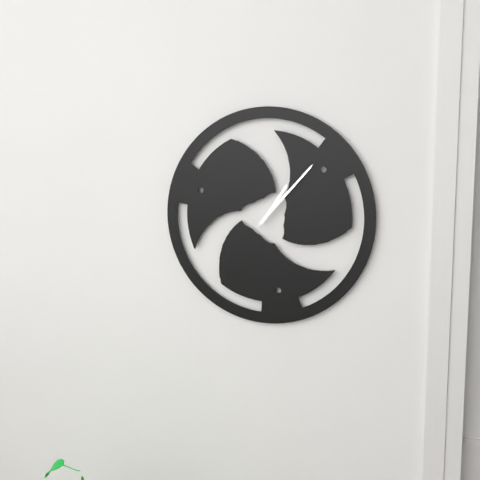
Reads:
1h07
